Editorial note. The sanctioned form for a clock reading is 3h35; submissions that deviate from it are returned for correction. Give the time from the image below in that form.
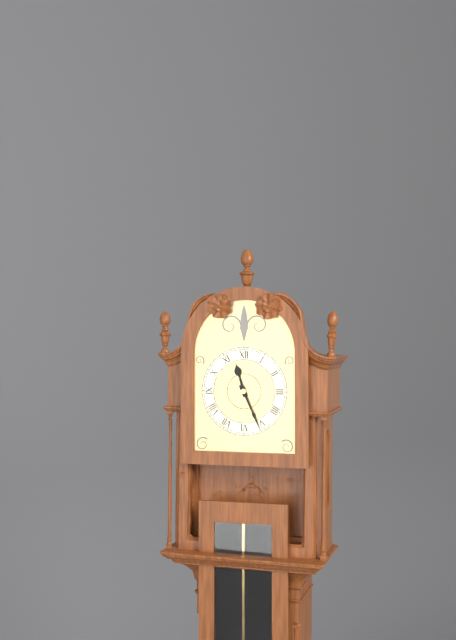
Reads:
11h26
